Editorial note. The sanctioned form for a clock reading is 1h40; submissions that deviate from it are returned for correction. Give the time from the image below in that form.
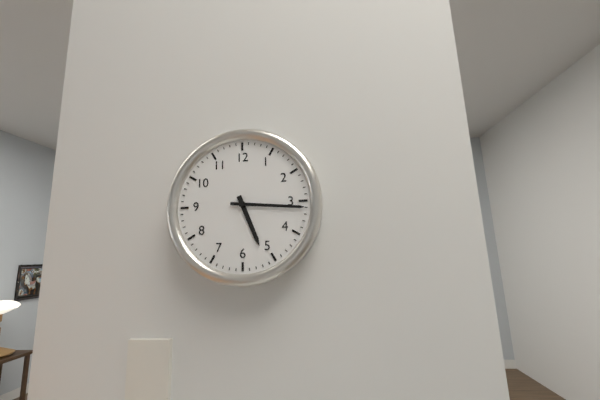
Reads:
5h16
